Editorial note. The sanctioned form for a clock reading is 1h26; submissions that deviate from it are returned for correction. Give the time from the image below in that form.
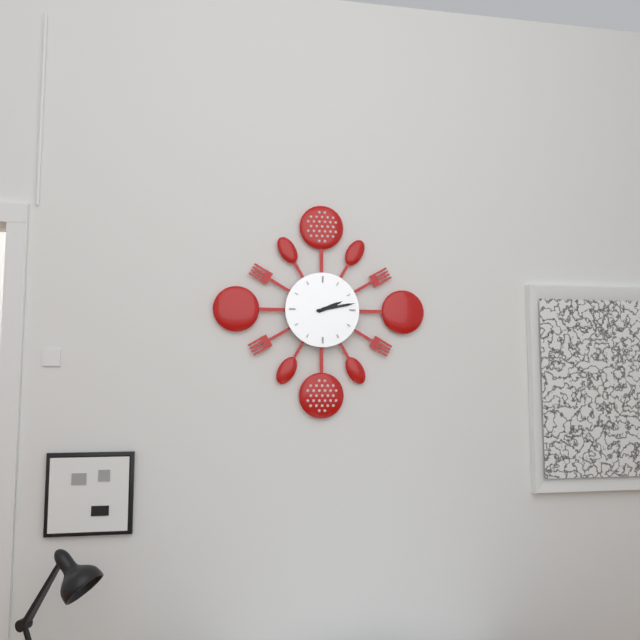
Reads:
2h13
